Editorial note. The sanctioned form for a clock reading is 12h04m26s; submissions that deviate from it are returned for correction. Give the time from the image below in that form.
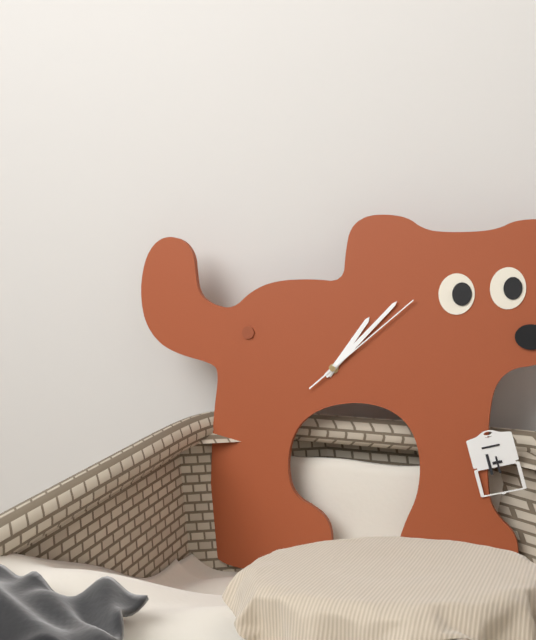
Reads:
1h07m08s
